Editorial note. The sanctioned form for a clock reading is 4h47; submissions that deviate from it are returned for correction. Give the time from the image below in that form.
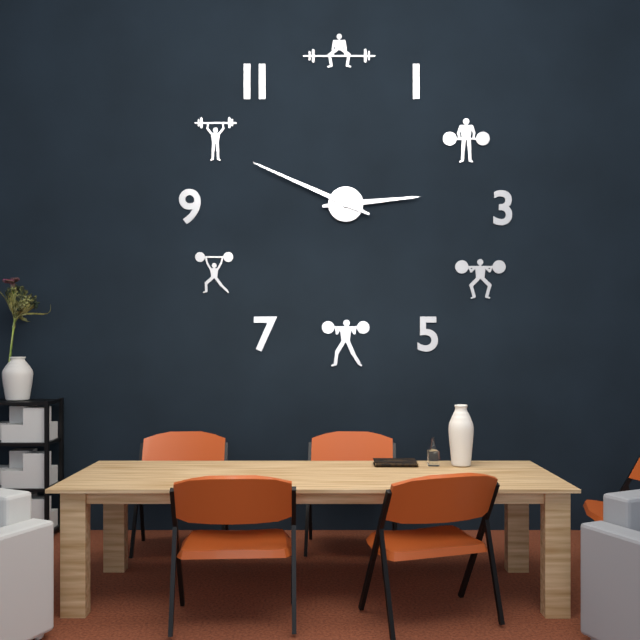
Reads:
2h49
